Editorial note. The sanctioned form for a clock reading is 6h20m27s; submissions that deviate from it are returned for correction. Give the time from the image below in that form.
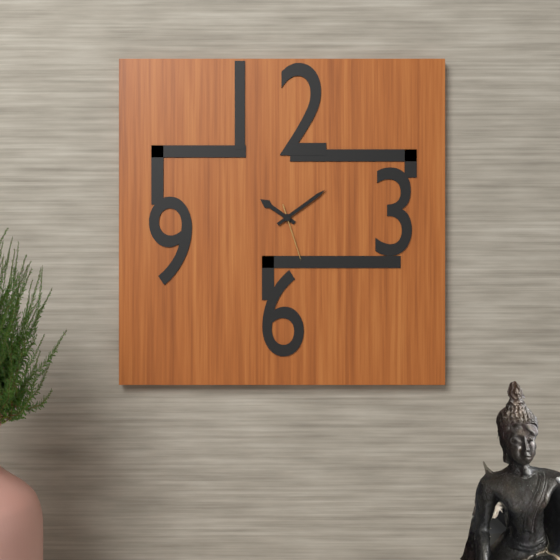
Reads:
10h09m27s
